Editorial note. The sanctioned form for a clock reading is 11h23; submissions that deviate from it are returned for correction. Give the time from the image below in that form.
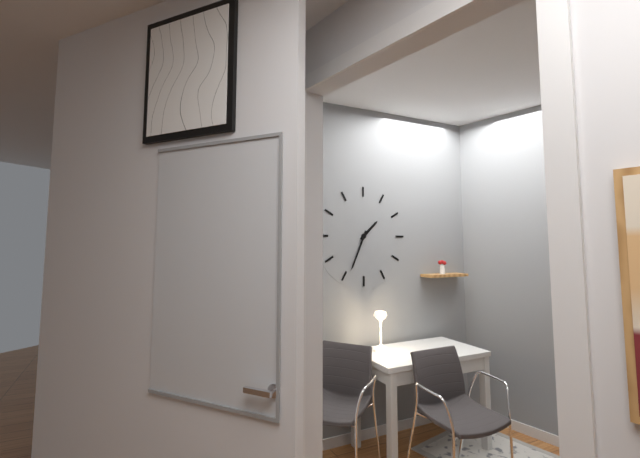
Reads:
1h34
